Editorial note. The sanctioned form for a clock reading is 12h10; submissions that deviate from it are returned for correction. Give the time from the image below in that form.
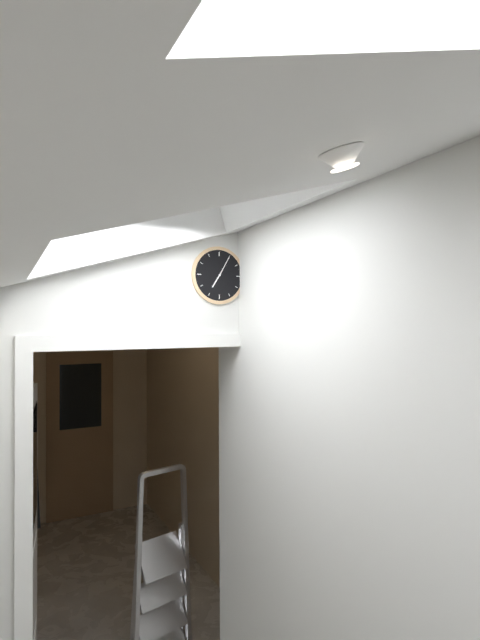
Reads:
7h05
